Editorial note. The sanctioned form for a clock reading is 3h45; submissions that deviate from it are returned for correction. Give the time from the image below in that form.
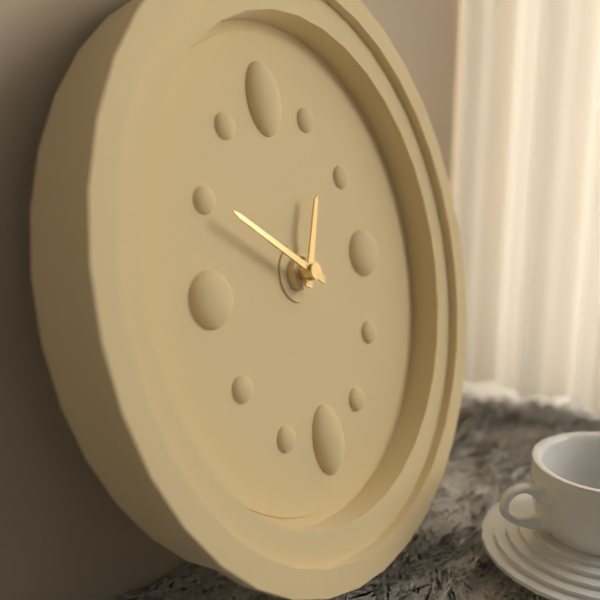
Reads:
12h51
